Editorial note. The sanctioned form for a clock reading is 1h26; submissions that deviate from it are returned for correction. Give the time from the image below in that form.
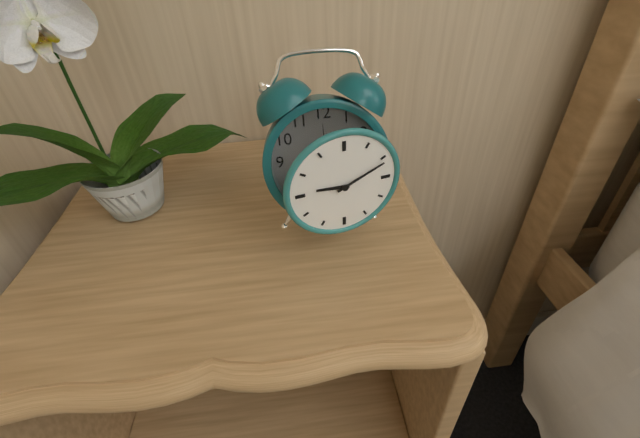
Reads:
9h11
